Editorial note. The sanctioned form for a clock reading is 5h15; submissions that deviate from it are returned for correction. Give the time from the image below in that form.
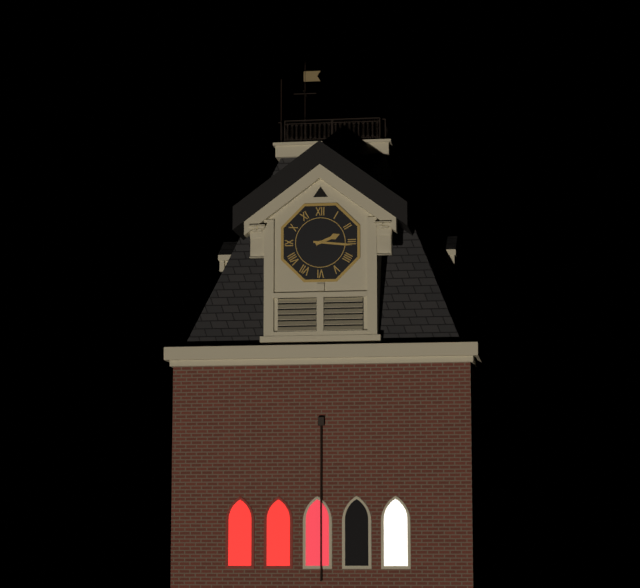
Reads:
2h16
